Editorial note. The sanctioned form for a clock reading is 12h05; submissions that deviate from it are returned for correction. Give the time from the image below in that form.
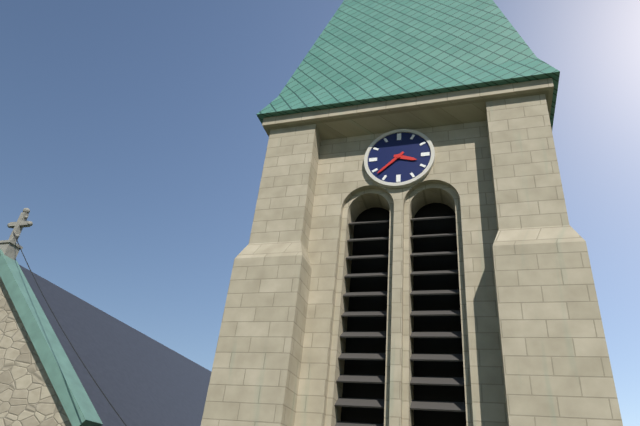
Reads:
3h38
